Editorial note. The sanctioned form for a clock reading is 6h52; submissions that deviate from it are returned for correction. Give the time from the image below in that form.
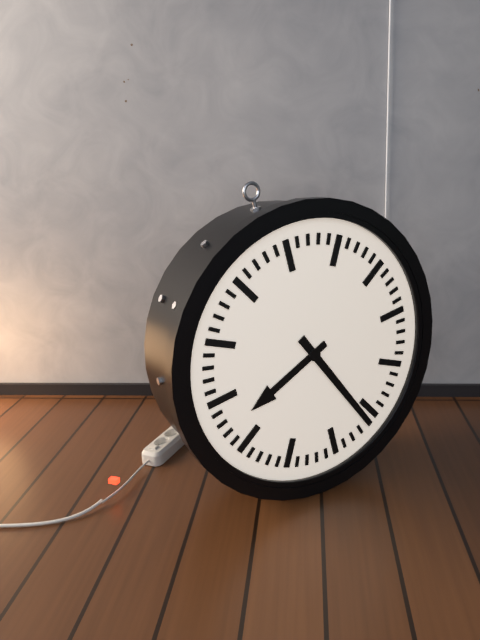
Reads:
8h26
